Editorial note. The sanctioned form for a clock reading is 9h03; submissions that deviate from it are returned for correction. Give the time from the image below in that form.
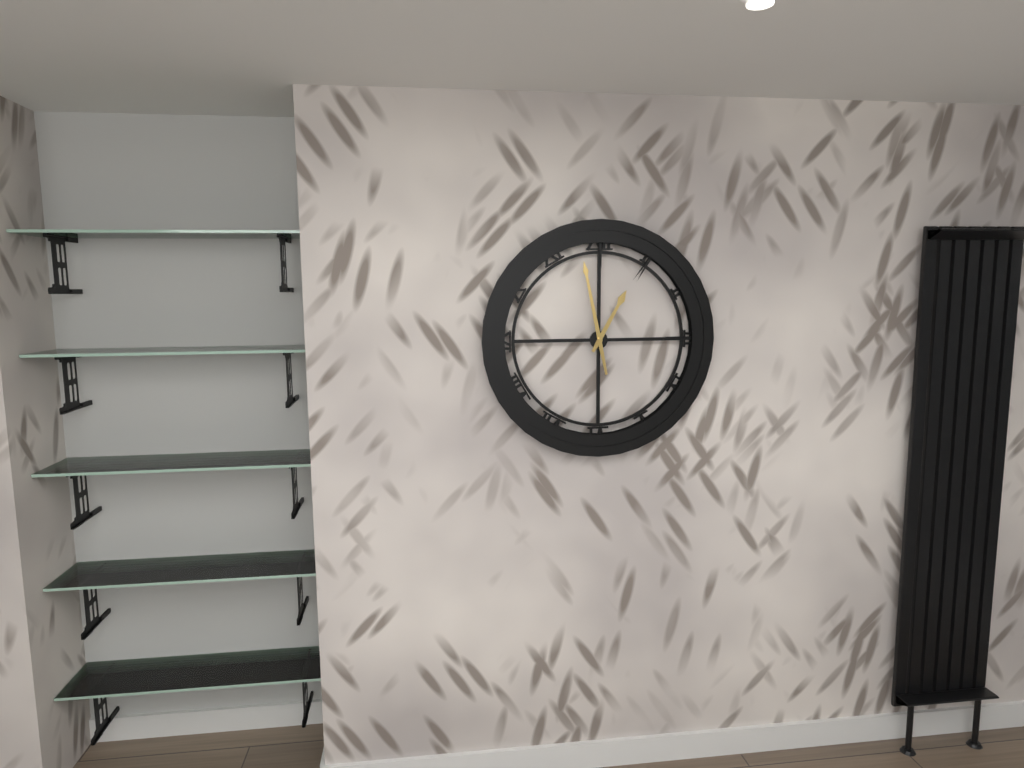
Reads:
12h58
